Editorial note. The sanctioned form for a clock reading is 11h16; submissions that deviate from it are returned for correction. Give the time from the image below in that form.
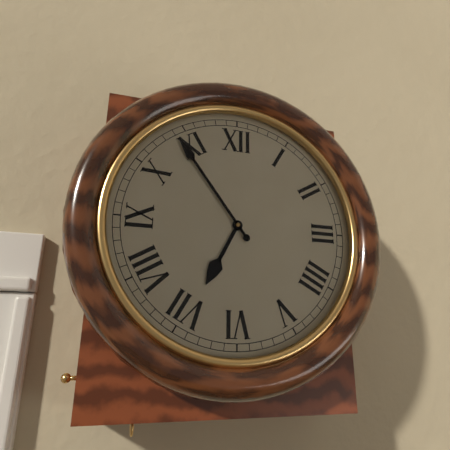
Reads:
6h54
